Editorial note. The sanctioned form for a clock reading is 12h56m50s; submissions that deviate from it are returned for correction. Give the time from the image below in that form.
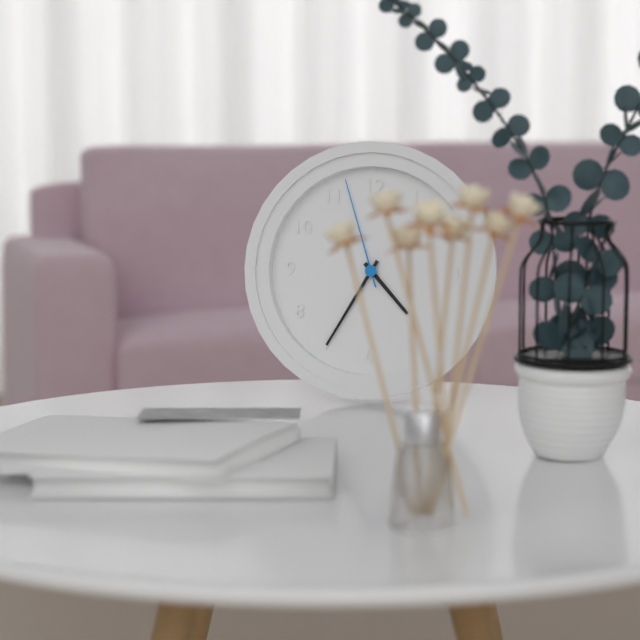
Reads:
4h35m57s
